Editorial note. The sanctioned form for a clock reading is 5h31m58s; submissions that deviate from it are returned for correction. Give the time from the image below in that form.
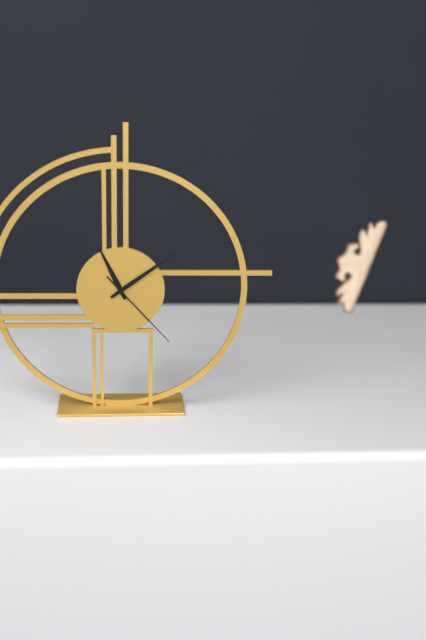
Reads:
11h09m23s
